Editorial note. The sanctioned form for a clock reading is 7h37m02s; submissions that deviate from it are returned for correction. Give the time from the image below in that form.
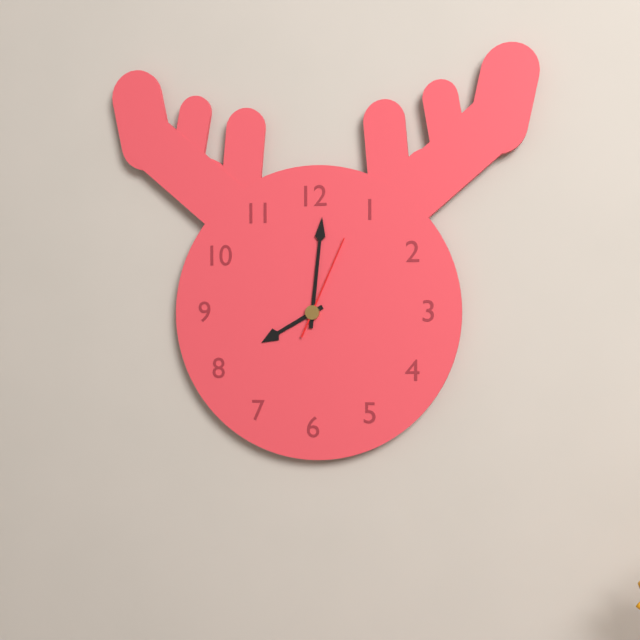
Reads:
8h01m04s
